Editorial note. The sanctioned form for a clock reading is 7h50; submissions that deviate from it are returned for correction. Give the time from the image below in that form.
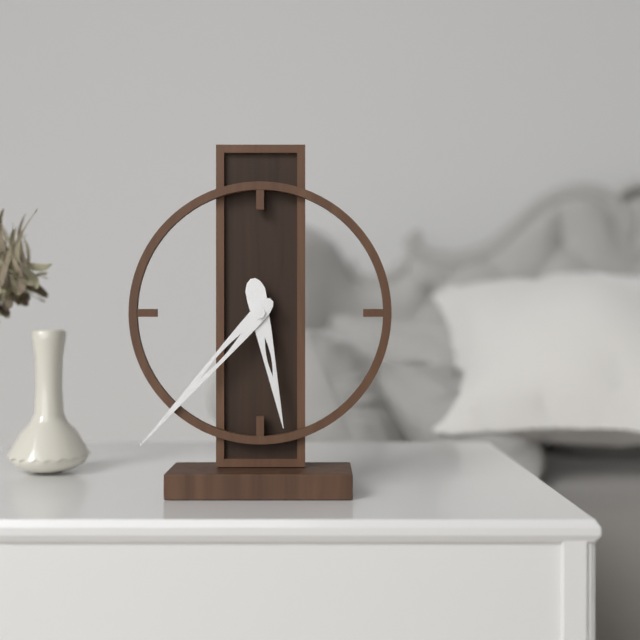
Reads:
5h37
